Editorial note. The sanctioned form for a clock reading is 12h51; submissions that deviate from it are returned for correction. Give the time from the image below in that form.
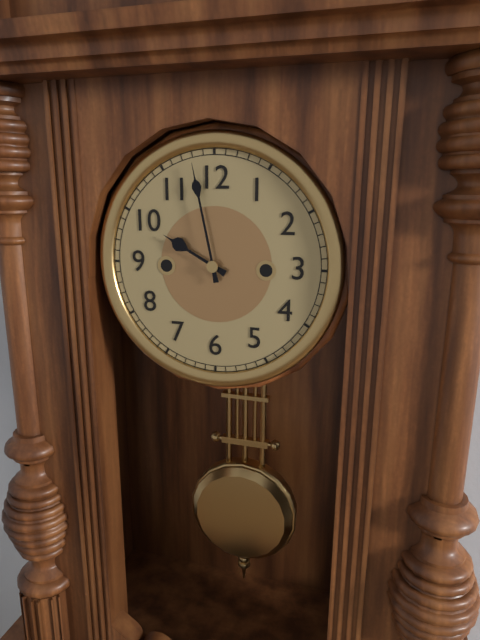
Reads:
9h58
